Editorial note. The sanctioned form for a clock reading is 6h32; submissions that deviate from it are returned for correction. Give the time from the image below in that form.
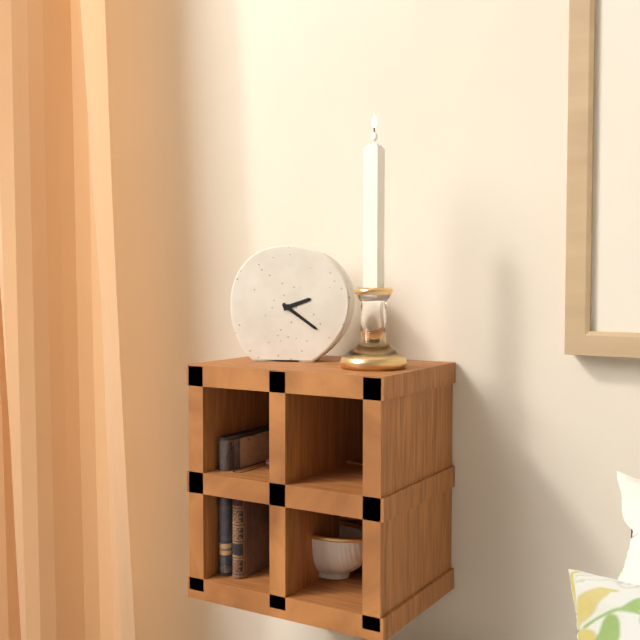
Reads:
2h21
